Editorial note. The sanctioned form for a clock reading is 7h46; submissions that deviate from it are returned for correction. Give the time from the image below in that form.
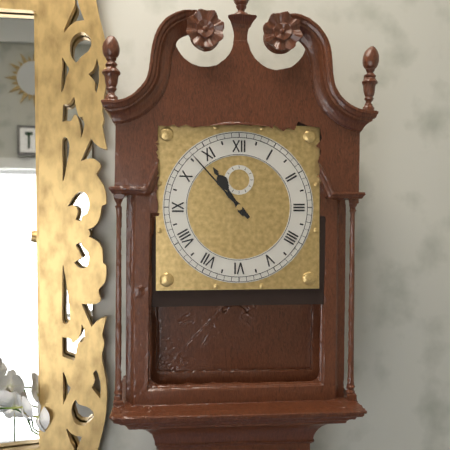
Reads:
10h53
